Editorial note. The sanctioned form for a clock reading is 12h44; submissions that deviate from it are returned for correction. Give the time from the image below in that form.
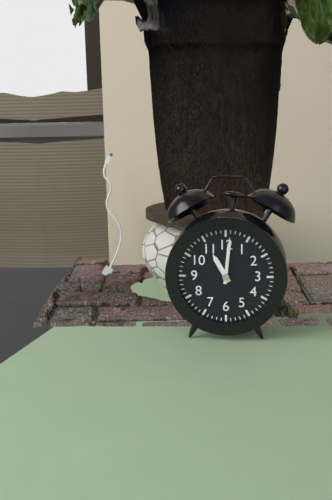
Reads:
11h01
